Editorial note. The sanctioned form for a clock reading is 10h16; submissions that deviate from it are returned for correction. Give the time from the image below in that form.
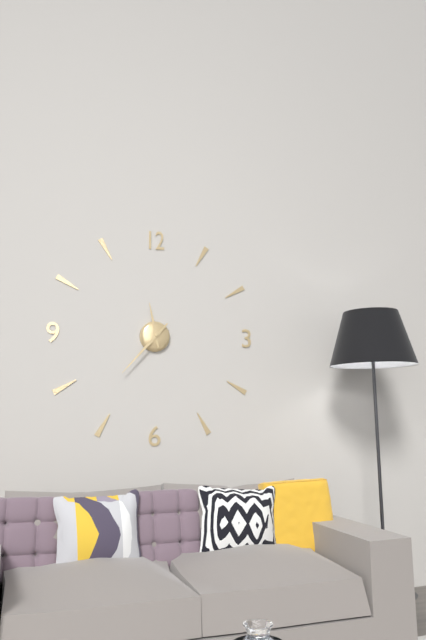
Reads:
11h37
